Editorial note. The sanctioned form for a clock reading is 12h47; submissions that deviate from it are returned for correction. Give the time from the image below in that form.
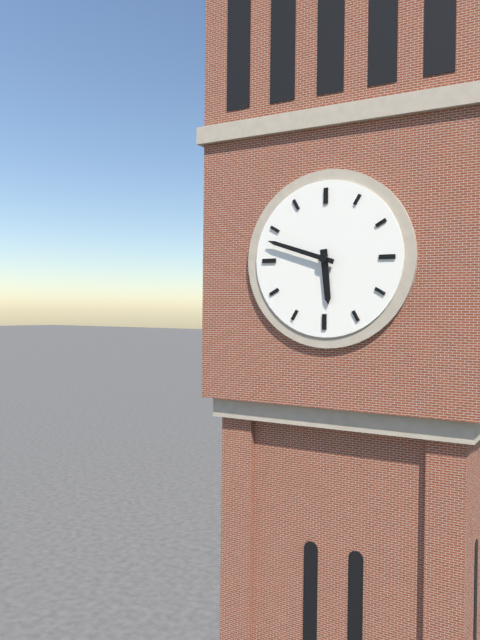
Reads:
5h48
